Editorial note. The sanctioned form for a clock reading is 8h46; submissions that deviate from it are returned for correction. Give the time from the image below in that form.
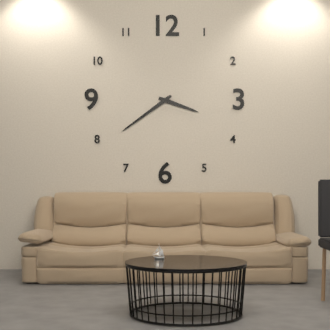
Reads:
3h39
